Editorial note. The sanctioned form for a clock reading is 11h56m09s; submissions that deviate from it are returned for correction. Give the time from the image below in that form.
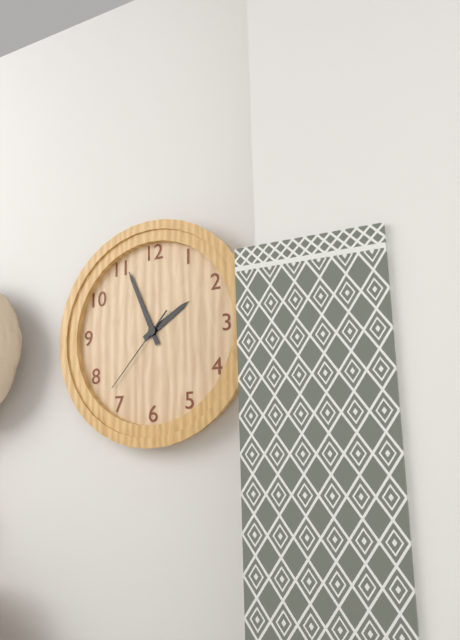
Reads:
1h56m37s
